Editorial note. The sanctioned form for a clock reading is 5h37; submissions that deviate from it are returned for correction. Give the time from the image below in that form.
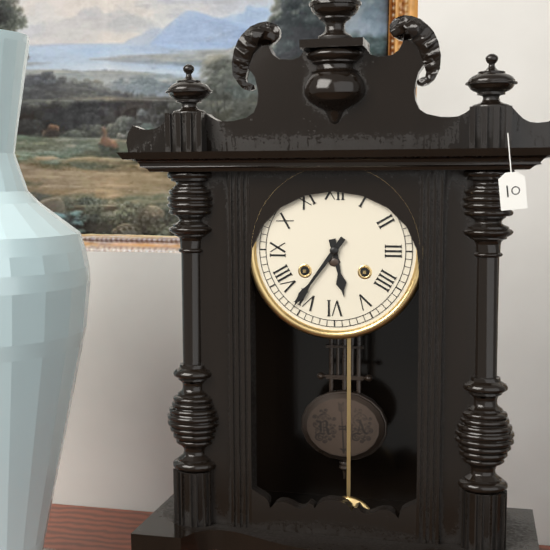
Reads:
5h36
